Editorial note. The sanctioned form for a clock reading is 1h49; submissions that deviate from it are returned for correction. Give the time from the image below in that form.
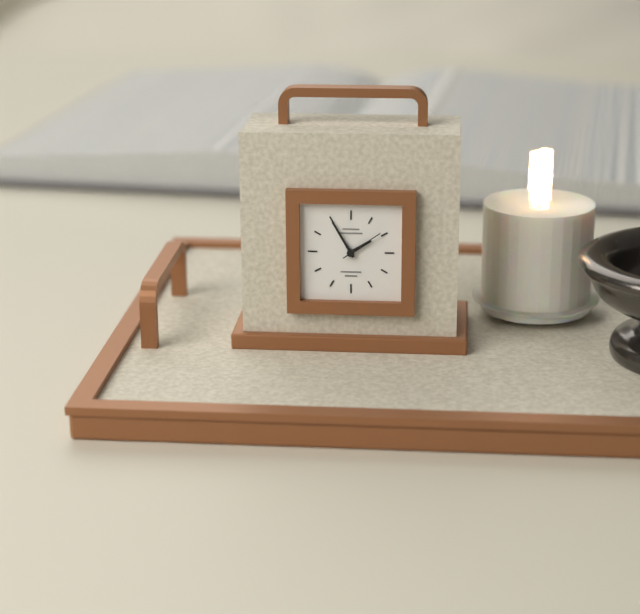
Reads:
1h55
